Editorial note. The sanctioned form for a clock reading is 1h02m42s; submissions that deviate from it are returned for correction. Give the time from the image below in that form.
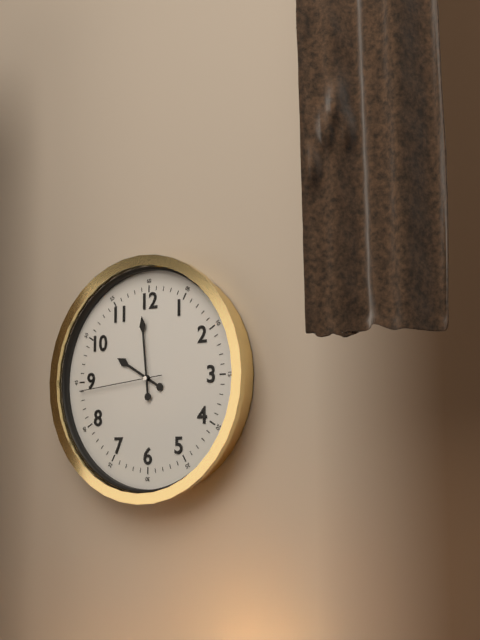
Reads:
9h59m44s
